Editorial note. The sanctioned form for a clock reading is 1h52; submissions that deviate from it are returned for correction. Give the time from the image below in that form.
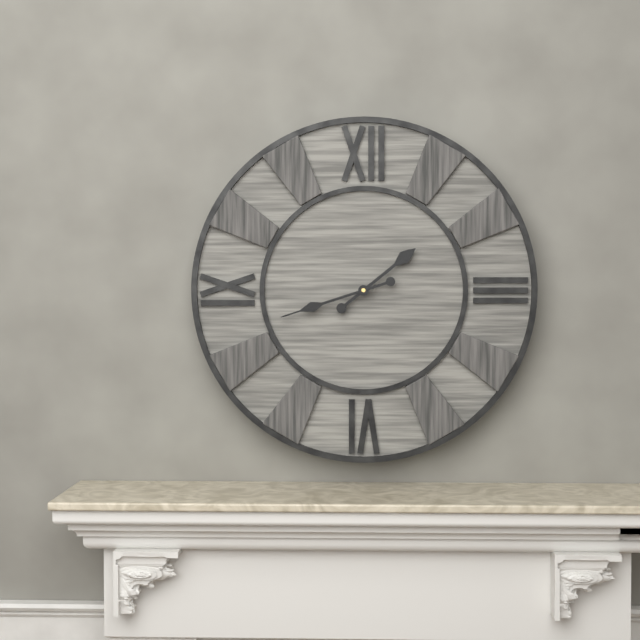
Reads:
1h42
